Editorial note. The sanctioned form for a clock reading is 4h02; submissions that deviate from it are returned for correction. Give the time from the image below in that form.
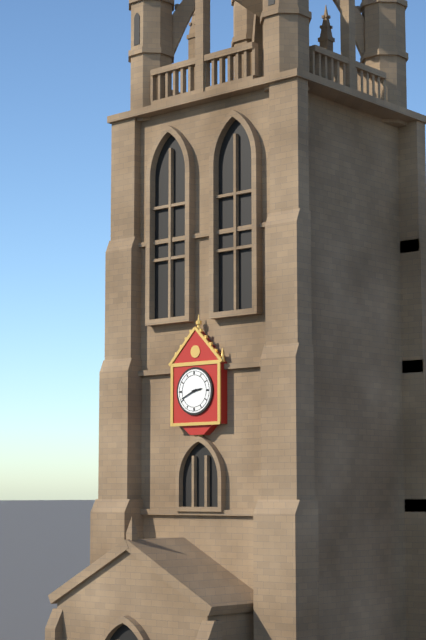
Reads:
2h41
